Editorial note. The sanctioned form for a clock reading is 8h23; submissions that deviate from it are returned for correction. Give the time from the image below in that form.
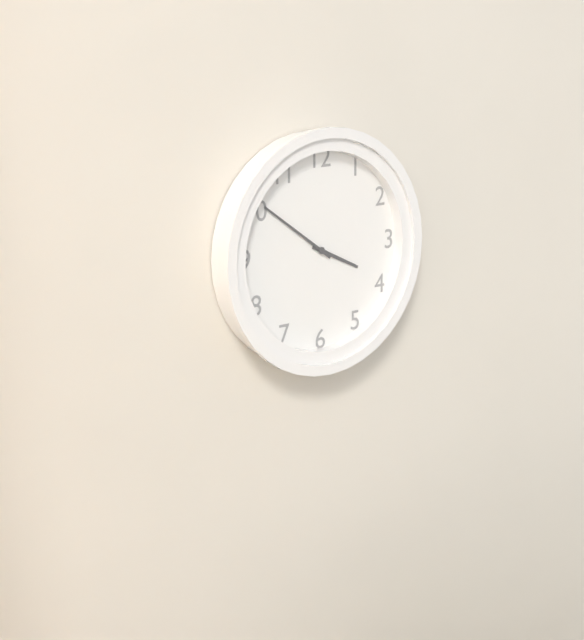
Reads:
3h51
